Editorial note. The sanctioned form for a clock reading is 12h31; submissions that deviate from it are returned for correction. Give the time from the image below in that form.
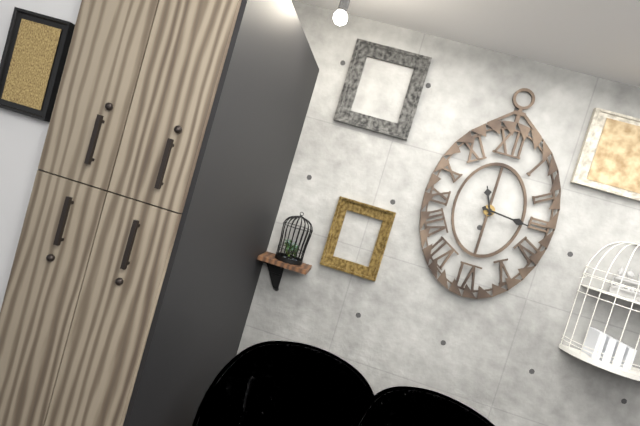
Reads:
11h16
